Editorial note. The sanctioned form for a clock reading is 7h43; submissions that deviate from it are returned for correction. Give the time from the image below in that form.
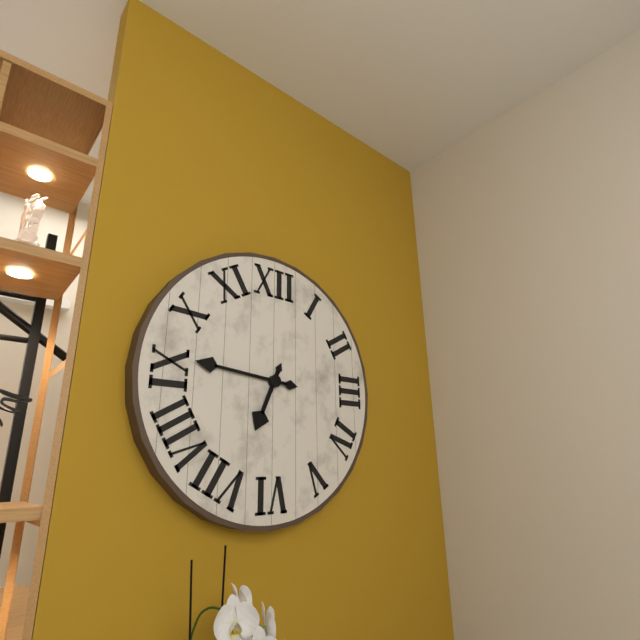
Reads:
6h46
